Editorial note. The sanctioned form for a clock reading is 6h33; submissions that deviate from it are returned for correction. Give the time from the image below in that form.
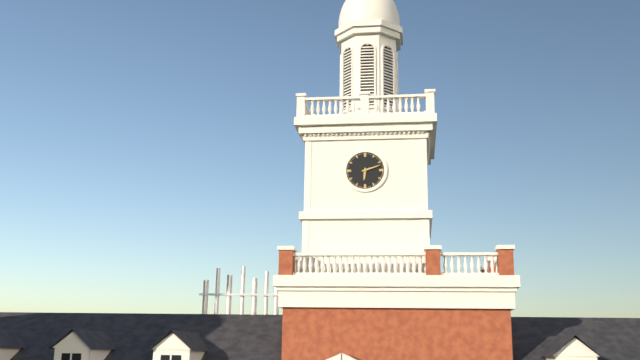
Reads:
6h12
